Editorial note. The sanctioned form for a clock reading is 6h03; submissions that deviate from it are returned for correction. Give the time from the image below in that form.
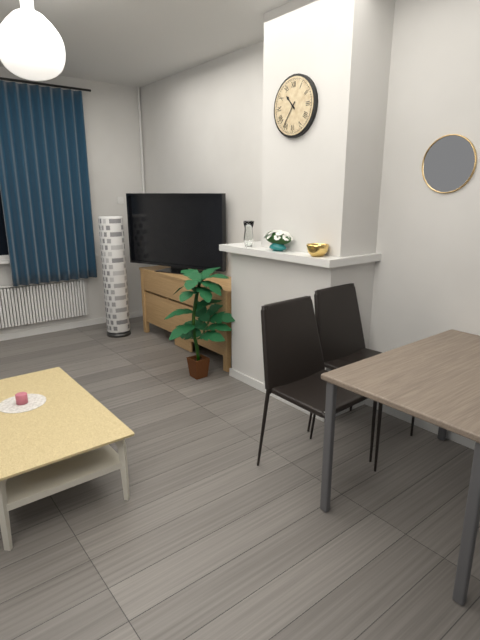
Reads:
10h36
